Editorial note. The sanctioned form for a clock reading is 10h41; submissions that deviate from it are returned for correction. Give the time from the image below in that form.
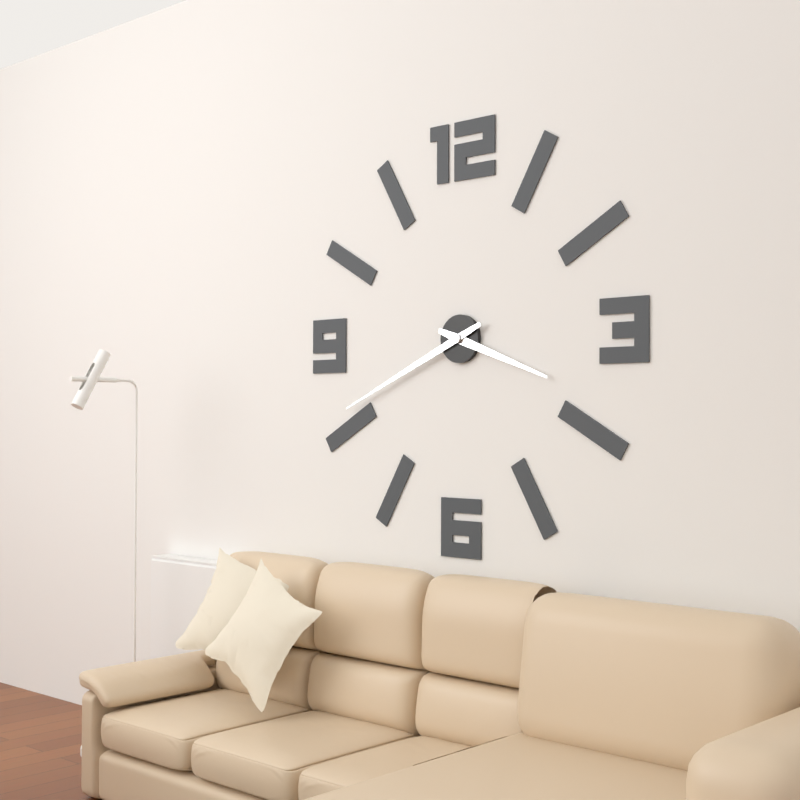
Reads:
3h41
